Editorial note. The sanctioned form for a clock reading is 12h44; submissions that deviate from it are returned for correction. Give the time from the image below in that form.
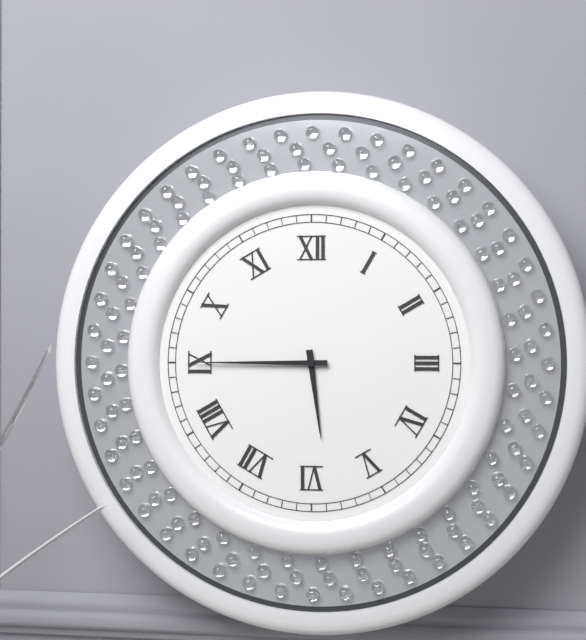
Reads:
5h45
